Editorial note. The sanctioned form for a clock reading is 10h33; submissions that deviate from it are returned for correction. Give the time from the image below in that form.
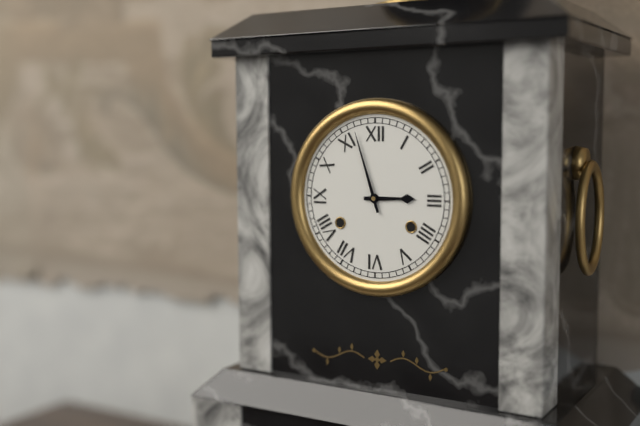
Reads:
2h57
